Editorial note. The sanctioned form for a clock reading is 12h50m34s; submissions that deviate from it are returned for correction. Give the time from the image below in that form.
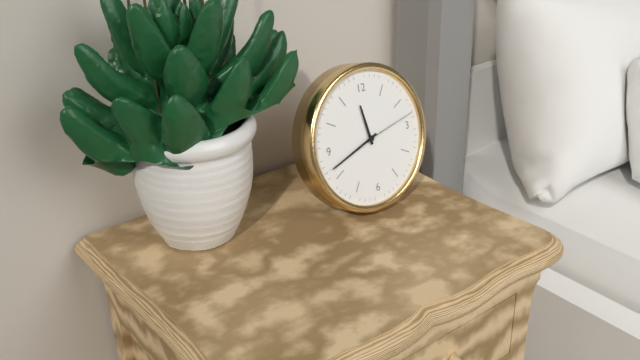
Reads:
11h42m13s
